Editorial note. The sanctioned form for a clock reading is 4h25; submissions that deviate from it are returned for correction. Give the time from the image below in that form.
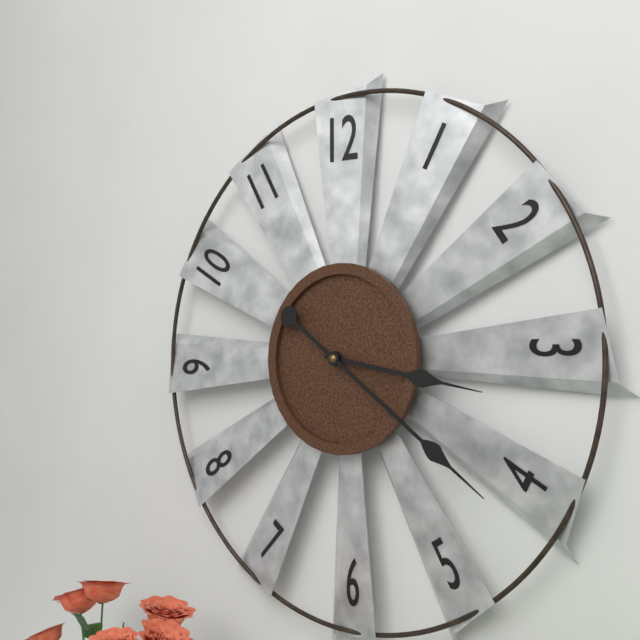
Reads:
3h21
